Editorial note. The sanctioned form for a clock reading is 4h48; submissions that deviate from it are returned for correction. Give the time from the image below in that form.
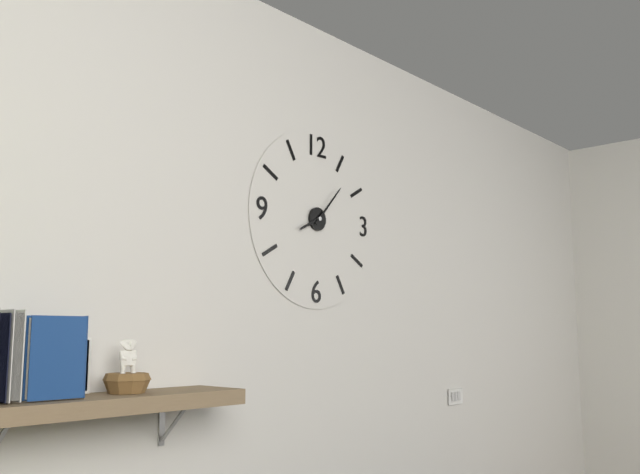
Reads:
8h07
